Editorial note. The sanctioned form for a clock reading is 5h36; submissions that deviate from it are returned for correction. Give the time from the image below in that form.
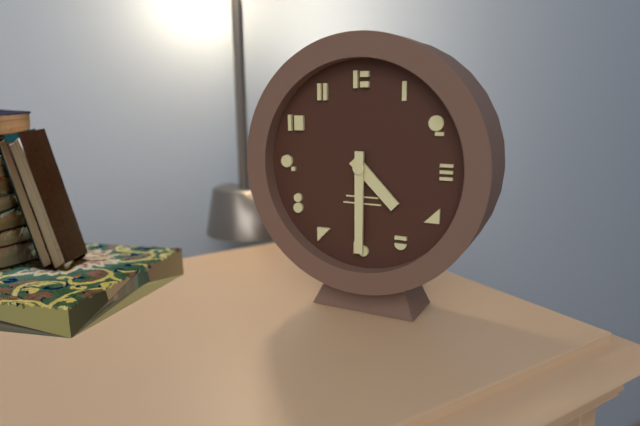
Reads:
4h30
